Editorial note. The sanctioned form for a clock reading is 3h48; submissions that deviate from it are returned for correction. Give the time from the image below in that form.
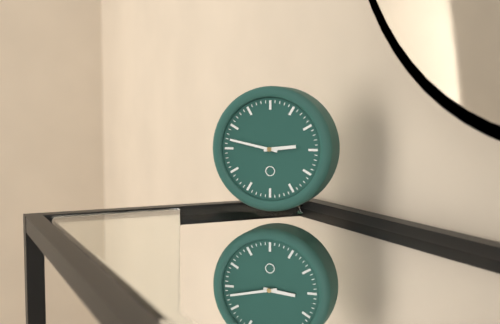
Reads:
2h47
